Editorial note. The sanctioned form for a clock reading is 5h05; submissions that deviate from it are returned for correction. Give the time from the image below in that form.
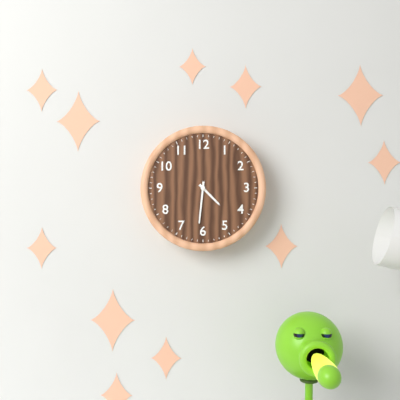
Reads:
4h31
